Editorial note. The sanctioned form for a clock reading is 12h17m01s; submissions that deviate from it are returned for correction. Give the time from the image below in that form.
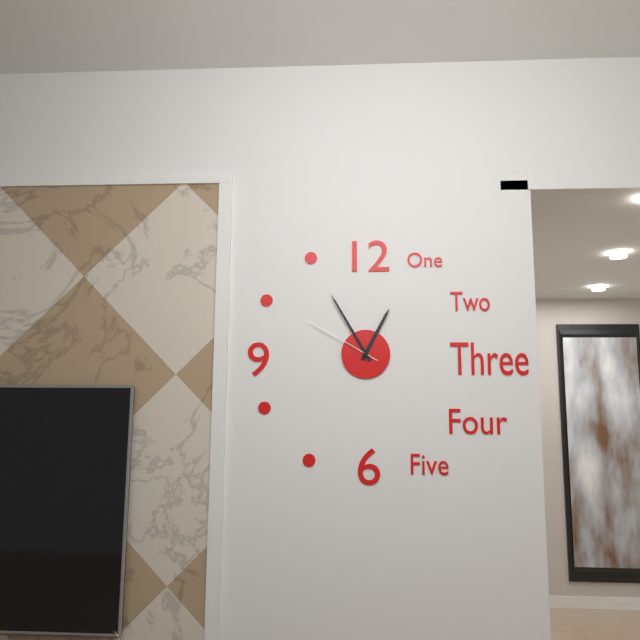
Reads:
12h55m50s
